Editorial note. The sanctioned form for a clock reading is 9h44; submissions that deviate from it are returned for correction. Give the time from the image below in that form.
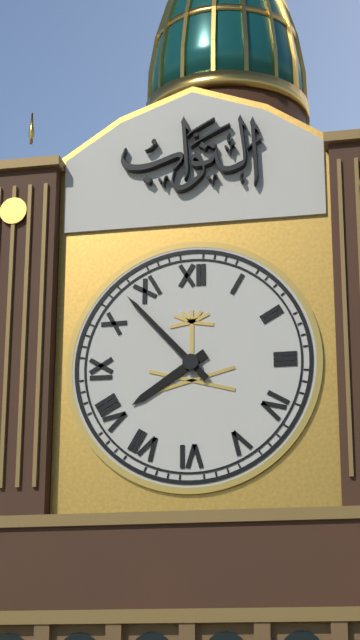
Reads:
7h53
